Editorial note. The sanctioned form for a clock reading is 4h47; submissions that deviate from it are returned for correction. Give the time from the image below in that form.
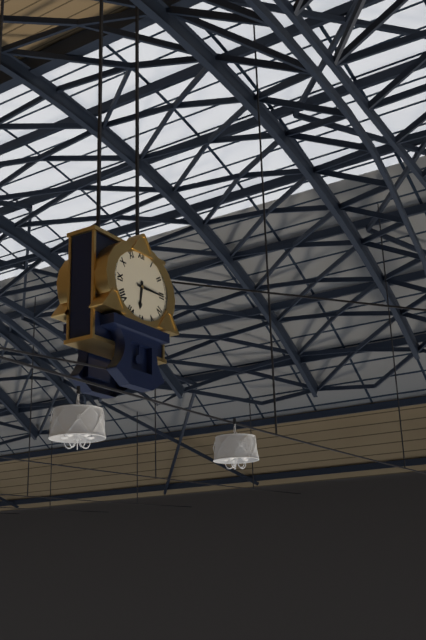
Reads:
6h15
